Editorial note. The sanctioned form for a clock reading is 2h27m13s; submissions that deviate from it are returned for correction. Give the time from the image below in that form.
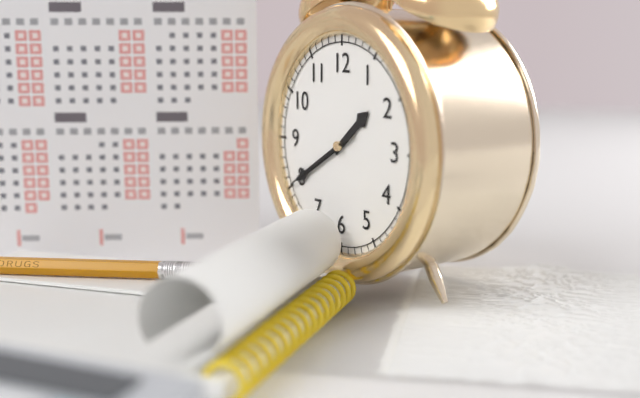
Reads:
1h40m40s
